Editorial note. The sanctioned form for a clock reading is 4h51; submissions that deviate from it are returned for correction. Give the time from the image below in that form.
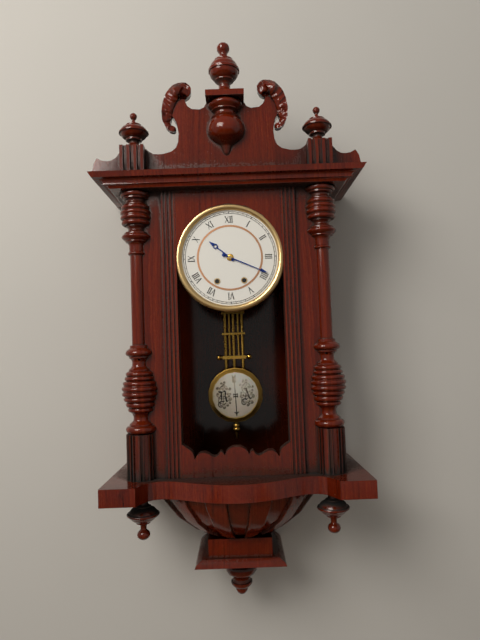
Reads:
10h19
